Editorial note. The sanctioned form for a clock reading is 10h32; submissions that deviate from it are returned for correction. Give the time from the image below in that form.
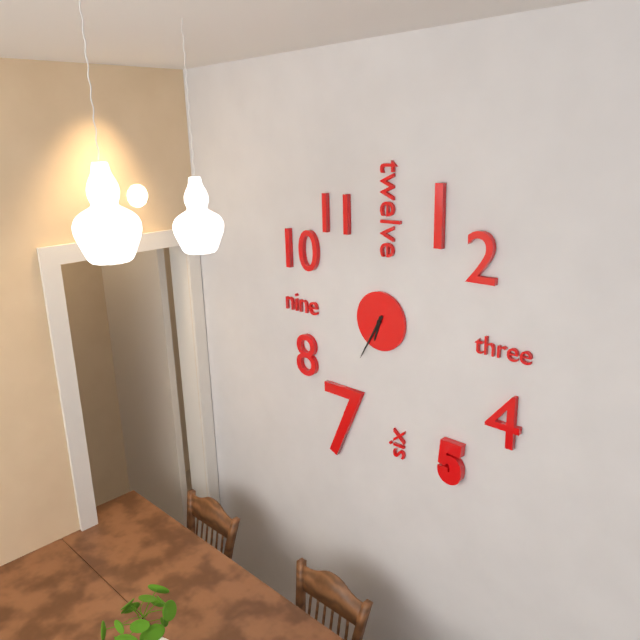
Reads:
6h35
